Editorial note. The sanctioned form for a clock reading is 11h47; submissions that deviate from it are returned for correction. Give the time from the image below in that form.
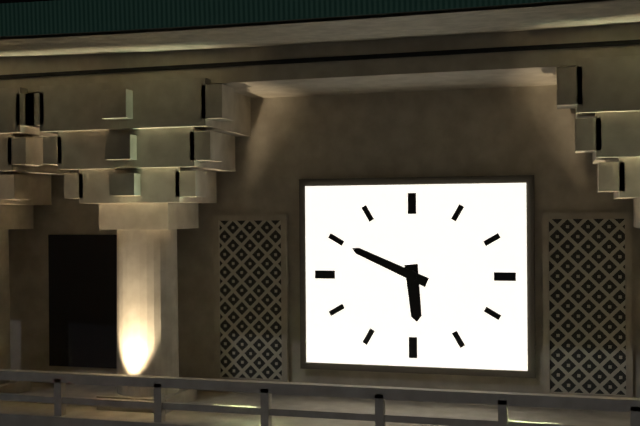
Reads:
5h49
